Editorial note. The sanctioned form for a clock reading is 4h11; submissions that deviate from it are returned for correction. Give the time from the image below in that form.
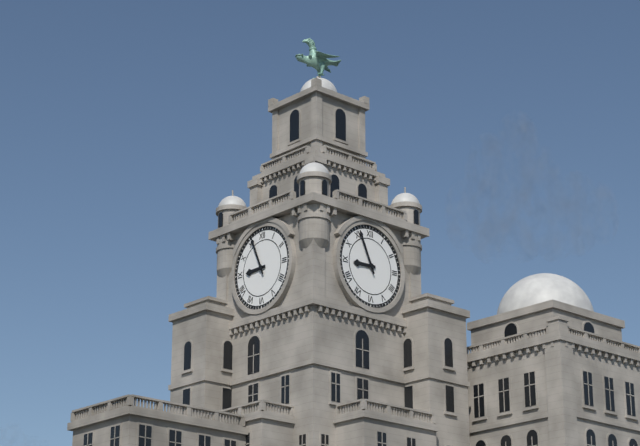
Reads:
8h56
